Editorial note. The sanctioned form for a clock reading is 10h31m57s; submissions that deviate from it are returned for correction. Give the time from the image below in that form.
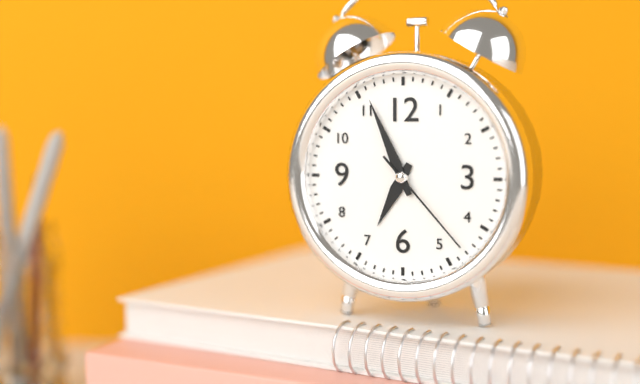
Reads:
6h56m23s
